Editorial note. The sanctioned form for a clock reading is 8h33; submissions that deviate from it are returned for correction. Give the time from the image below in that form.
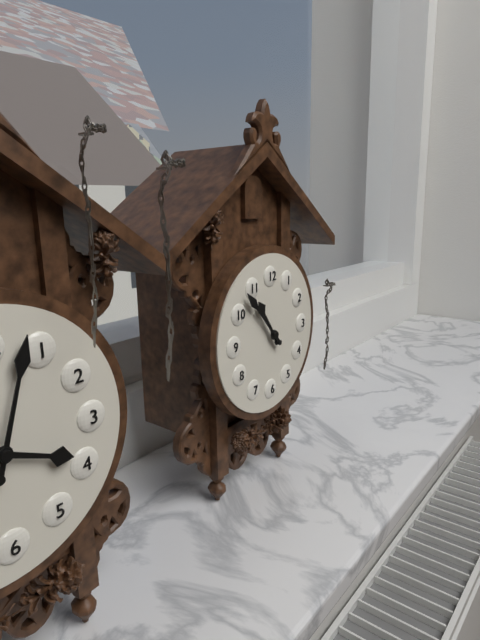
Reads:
10h53
